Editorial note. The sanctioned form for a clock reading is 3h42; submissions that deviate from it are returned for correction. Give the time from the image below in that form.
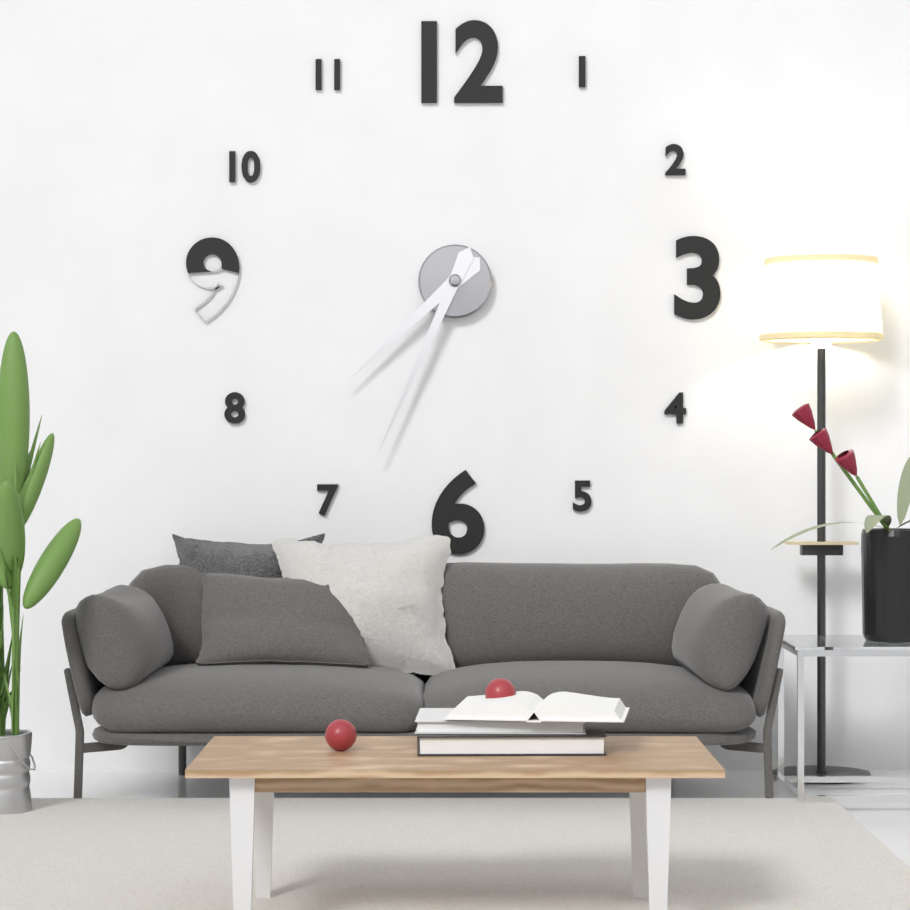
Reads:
7h34
